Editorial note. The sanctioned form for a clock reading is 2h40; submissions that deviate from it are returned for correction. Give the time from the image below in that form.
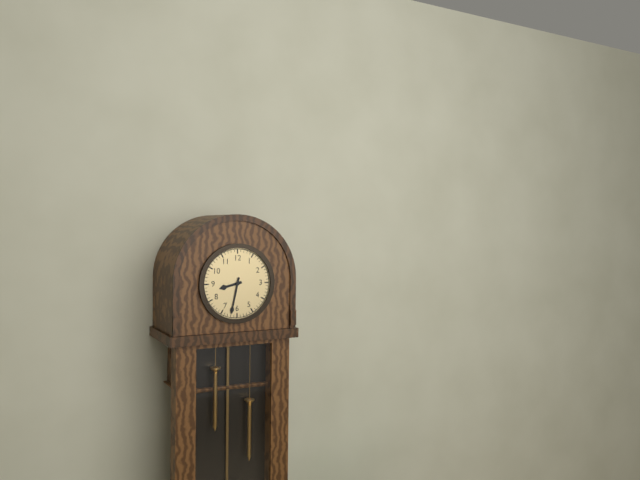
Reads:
8h32
